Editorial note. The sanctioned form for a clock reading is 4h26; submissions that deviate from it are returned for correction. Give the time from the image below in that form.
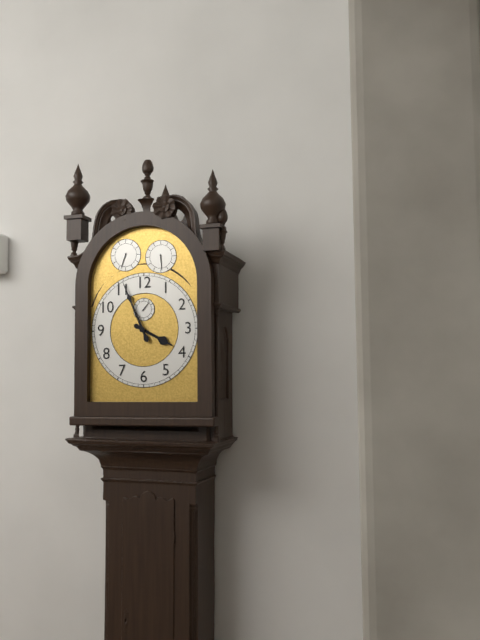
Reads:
3h56
